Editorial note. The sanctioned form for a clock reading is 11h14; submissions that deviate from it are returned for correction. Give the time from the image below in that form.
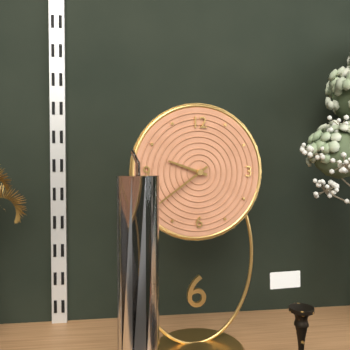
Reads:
9h39
